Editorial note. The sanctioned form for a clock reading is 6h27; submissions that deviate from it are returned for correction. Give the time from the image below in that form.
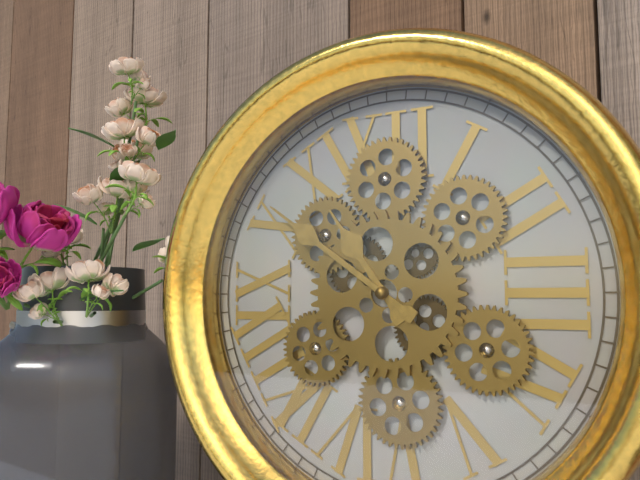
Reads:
10h51
